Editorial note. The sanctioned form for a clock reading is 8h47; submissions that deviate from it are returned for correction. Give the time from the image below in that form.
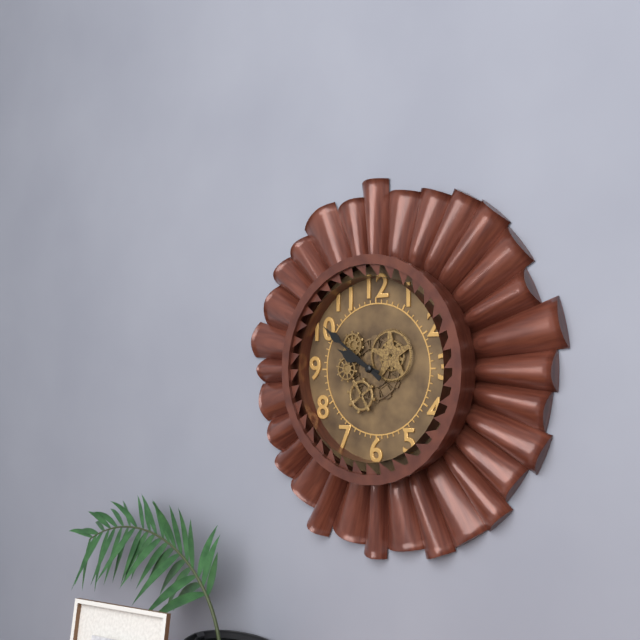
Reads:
9h51
